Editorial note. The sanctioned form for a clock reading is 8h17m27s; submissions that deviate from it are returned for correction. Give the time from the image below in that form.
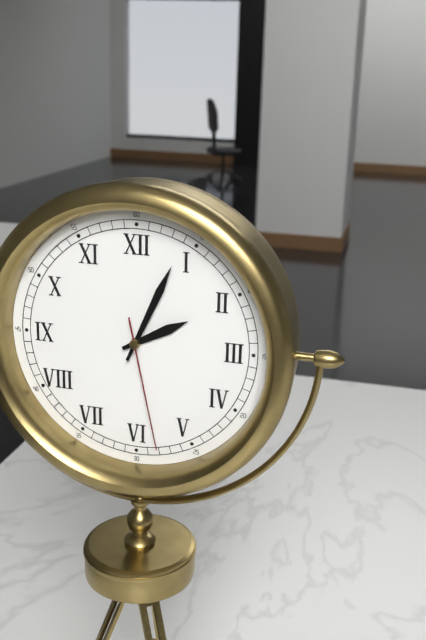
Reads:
2h04m28s
